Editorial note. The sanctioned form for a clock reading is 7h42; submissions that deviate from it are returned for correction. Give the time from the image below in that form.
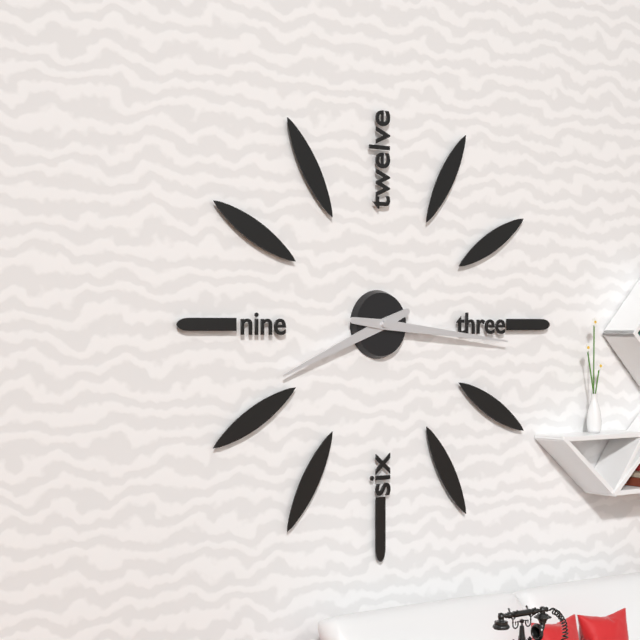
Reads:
8h16
